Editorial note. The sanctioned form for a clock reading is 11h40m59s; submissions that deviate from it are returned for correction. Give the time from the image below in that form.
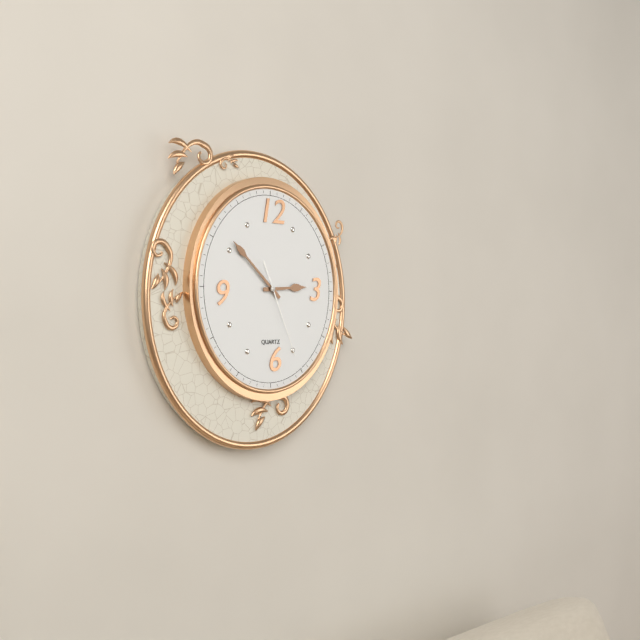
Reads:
2h52m26s
